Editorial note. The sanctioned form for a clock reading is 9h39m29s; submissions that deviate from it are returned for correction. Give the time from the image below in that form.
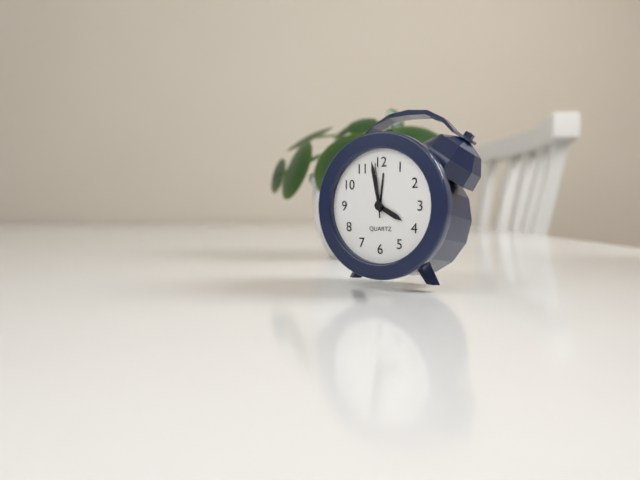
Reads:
3h58m59s
